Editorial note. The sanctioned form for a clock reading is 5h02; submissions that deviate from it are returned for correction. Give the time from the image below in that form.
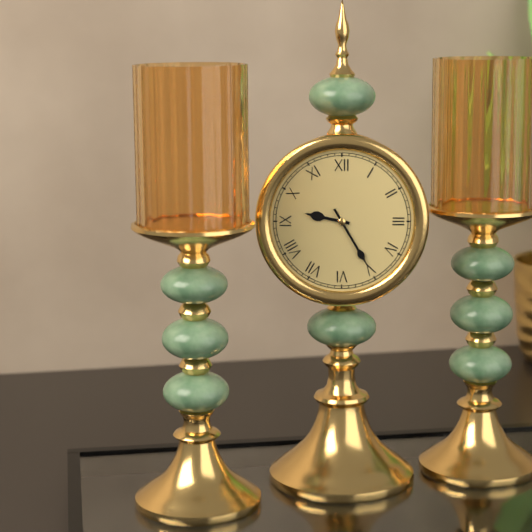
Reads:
9h25
